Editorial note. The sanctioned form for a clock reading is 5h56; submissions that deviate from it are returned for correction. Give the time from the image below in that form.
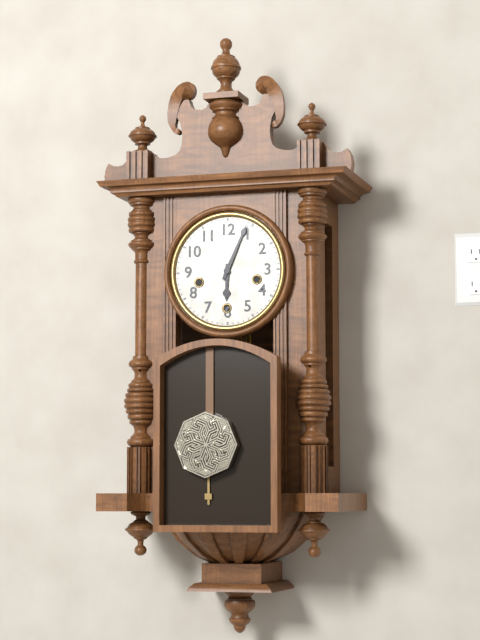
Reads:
6h04
